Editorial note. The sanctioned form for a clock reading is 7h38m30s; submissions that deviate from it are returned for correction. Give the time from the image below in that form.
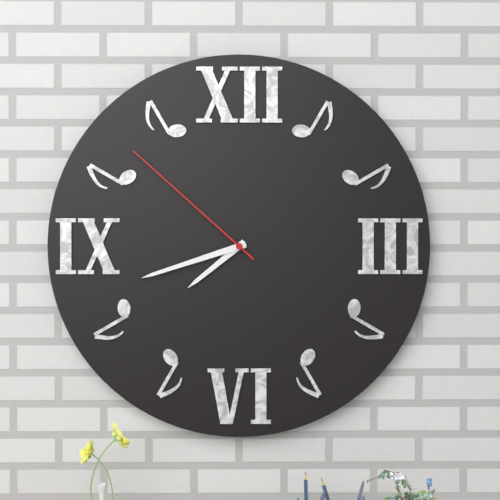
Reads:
7h42m52s
